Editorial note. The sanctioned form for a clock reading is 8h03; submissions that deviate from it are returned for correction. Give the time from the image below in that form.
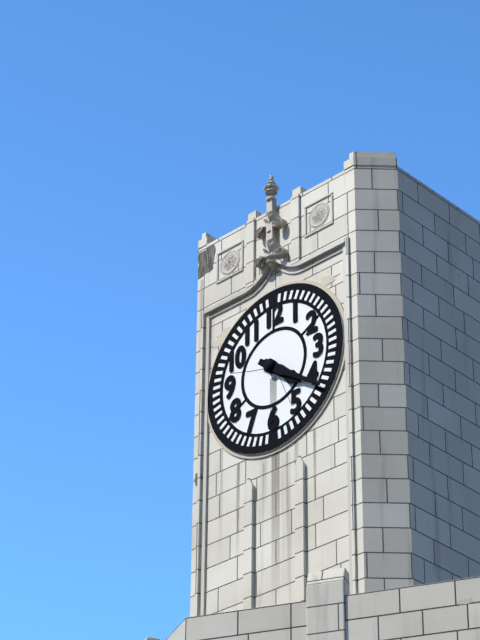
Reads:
4h21
